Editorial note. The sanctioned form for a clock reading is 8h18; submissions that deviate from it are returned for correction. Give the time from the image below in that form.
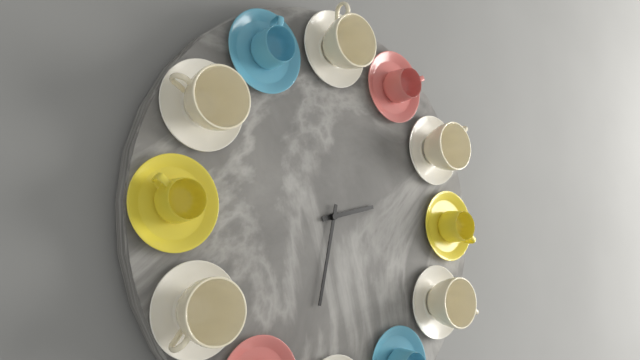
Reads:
2h32
